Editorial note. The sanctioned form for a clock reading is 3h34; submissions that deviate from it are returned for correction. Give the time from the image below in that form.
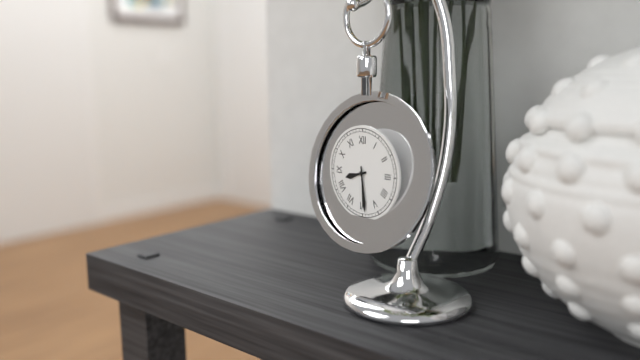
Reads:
8h29
